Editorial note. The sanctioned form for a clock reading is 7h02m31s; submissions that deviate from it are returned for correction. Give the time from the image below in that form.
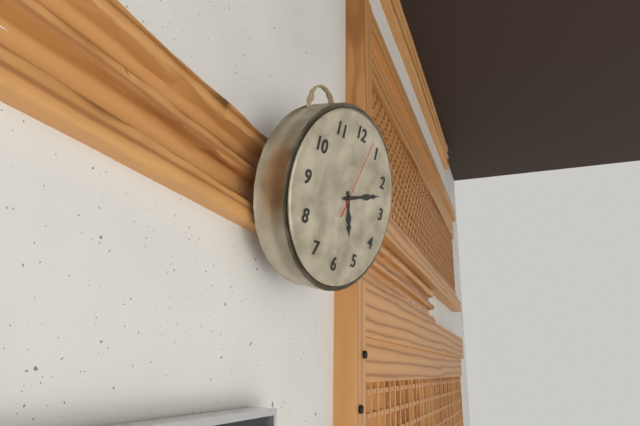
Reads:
5h12m03s
